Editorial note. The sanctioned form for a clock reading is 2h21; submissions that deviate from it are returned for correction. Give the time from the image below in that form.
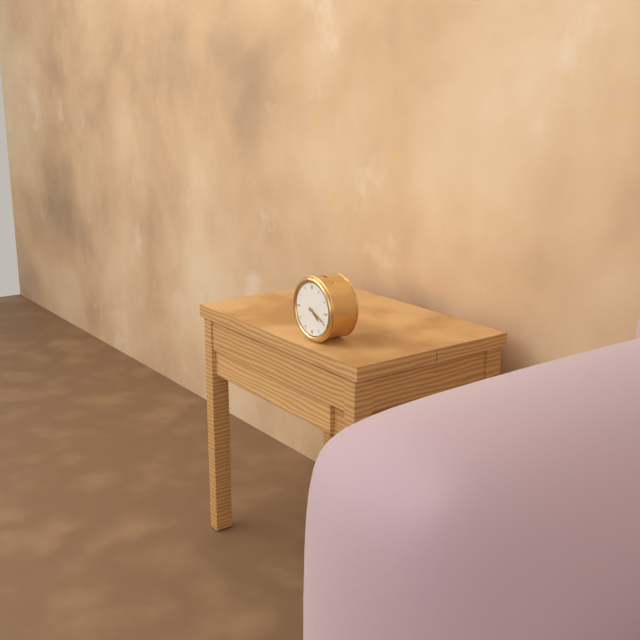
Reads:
4h19
